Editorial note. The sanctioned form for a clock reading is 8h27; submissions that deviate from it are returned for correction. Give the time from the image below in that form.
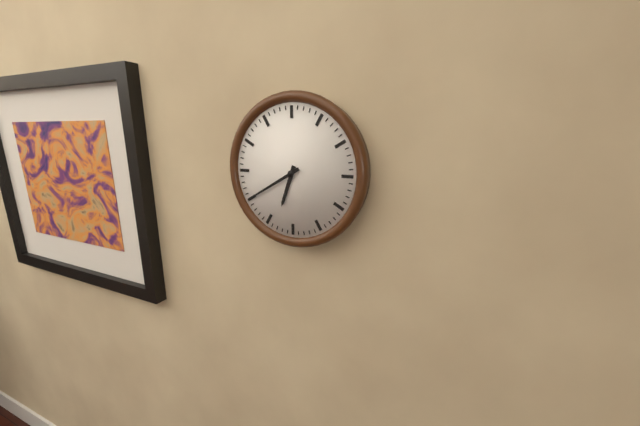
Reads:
6h40
